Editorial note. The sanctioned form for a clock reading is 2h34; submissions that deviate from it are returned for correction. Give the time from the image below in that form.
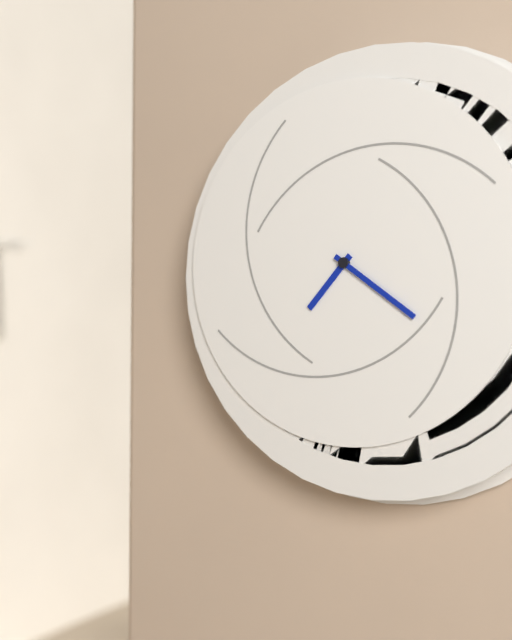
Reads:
7h21
